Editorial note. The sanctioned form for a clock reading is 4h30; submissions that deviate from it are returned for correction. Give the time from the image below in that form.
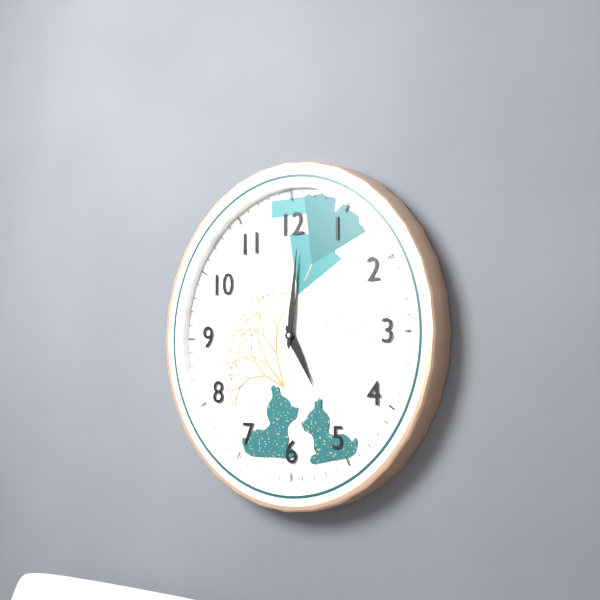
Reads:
5h01
